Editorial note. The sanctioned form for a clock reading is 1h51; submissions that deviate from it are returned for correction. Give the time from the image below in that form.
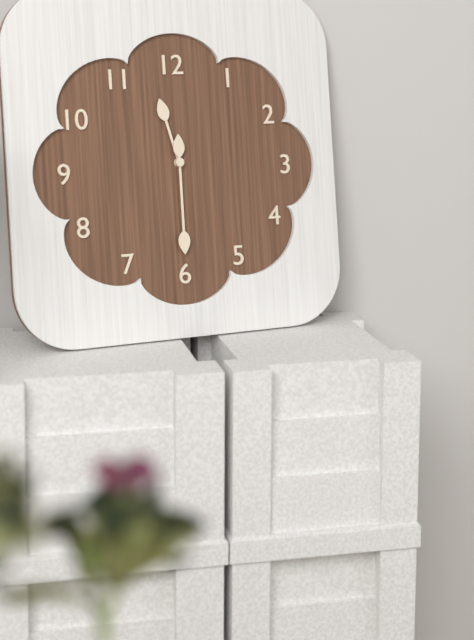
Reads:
11h30
